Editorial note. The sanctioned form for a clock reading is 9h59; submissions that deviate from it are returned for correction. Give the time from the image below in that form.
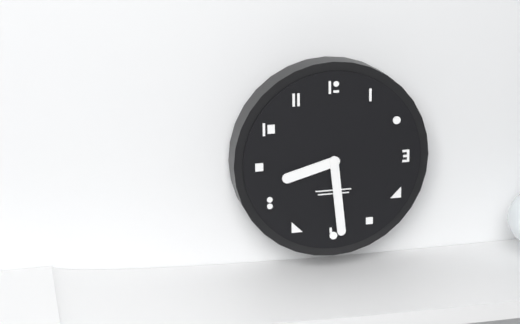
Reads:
8h29
